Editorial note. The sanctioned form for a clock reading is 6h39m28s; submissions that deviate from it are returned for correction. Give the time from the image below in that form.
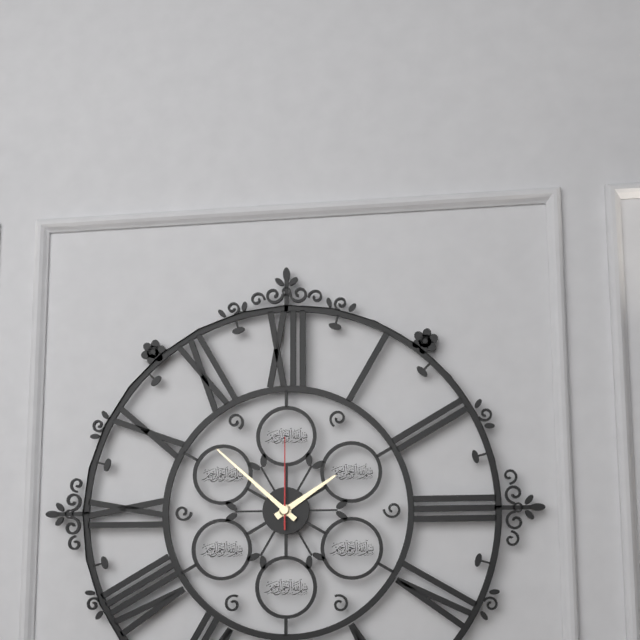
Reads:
1h52m00s
